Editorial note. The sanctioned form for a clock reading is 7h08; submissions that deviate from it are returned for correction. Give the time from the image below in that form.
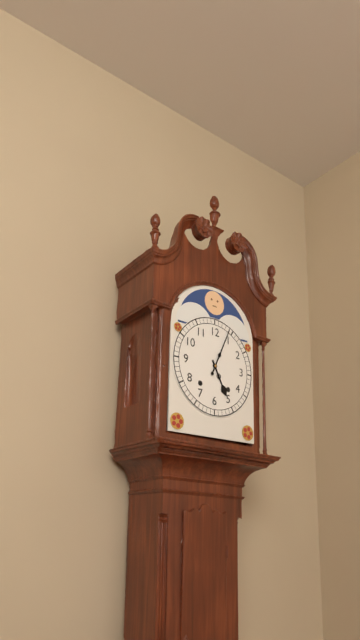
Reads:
5h04
